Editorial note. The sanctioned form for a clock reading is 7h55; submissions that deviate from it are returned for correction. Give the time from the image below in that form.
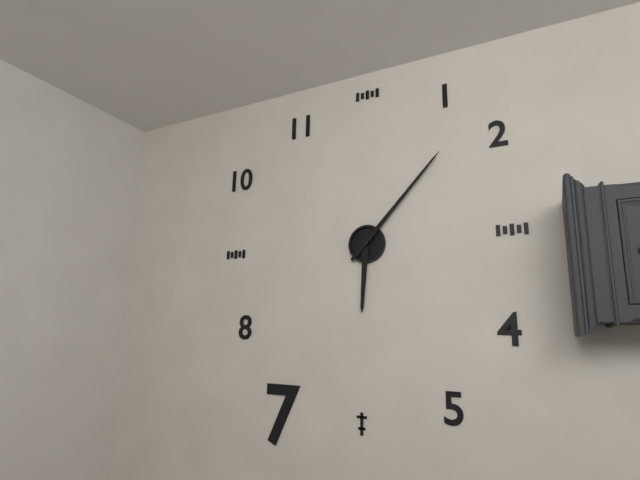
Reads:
6h07
